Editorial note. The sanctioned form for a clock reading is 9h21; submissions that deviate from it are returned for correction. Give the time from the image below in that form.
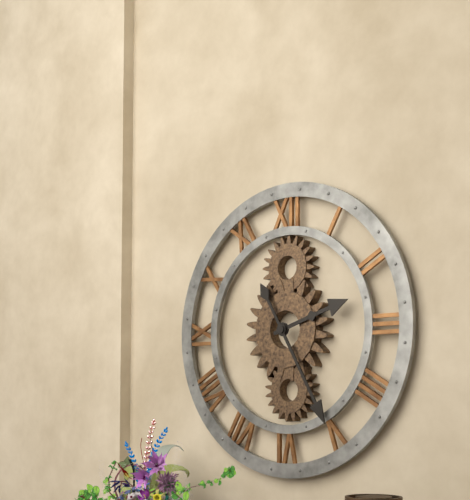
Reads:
2h25
